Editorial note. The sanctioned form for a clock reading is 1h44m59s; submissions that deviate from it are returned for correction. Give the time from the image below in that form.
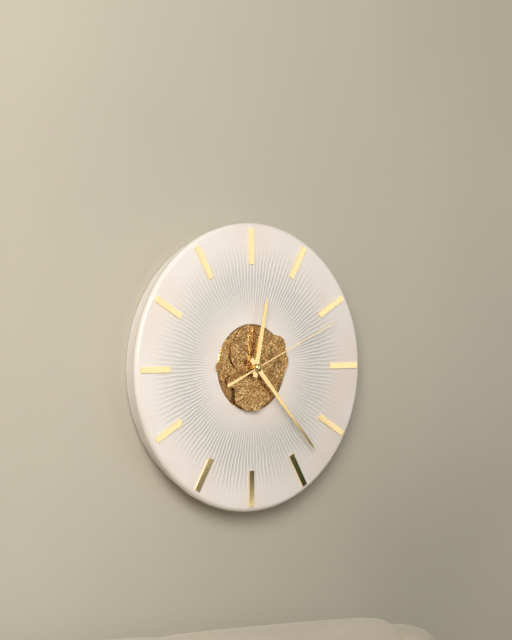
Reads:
12h23m11s
